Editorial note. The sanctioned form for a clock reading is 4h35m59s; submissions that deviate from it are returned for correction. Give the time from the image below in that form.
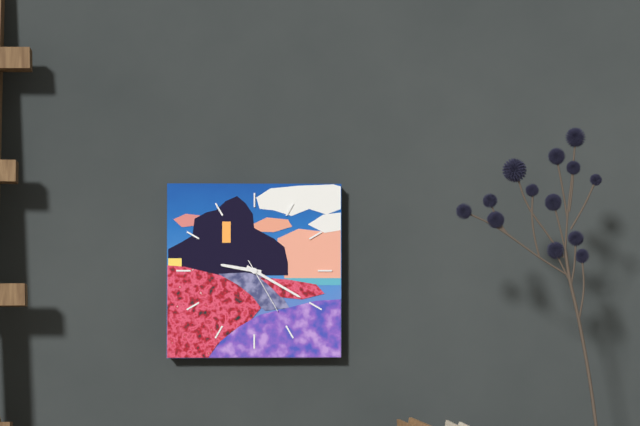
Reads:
9h20m25s
